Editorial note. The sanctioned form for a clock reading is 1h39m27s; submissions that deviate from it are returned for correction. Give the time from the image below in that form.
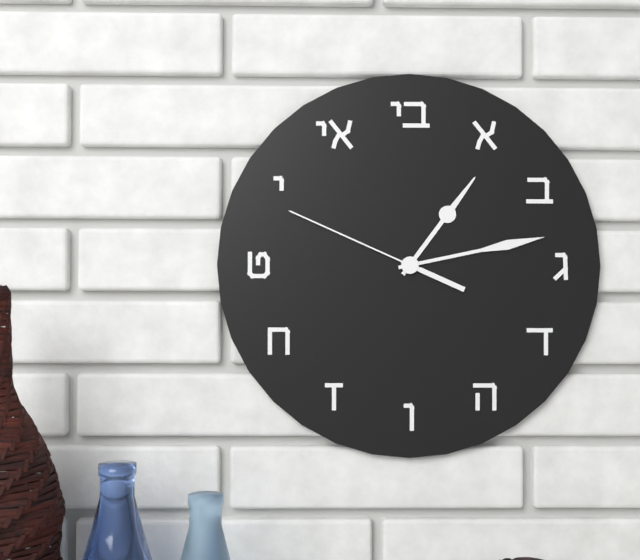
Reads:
1h13m49s
